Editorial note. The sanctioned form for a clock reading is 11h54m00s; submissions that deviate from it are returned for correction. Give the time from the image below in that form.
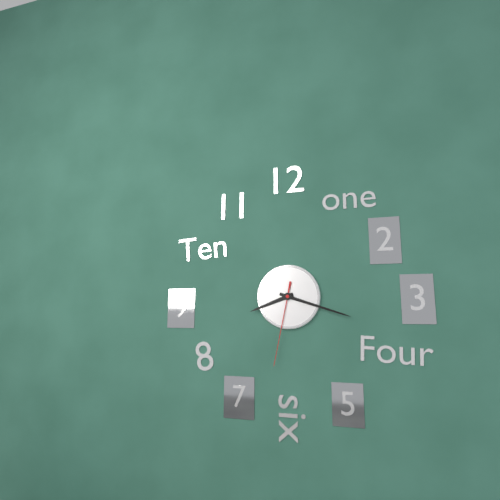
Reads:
8h18m32s
